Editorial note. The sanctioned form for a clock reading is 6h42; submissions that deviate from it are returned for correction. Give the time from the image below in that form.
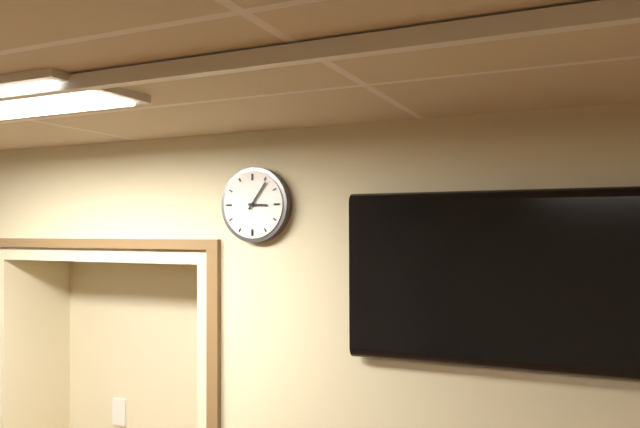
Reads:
3h06
